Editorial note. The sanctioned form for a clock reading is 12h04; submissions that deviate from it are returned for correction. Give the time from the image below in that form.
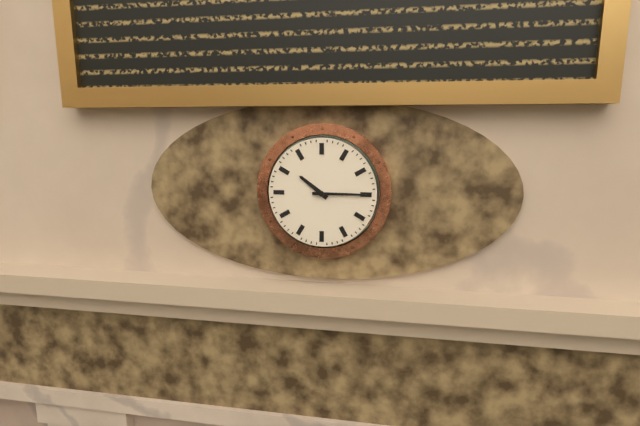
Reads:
10h15
